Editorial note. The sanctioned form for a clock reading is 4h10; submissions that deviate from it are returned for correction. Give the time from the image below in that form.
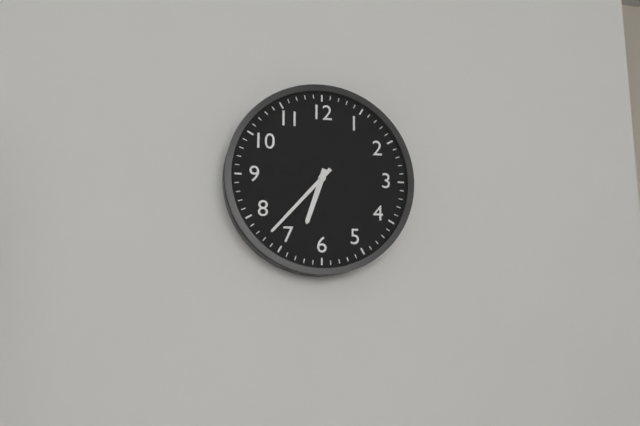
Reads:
6h37
